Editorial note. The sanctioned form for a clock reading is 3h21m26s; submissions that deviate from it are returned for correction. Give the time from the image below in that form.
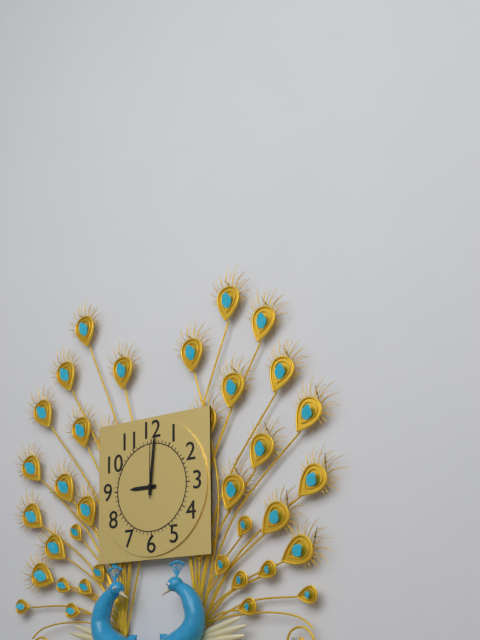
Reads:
9h01m00s
